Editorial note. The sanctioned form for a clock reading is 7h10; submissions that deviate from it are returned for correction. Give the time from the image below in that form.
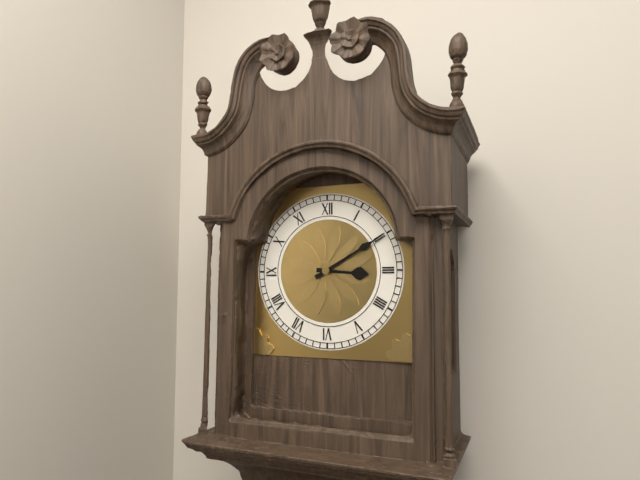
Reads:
3h10
